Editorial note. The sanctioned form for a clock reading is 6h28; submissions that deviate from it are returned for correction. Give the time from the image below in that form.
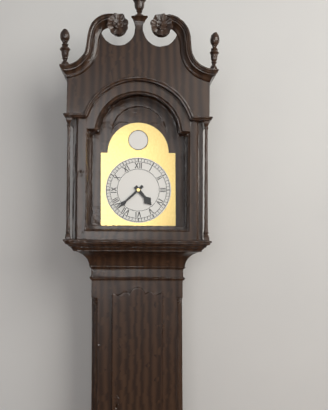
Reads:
4h38
